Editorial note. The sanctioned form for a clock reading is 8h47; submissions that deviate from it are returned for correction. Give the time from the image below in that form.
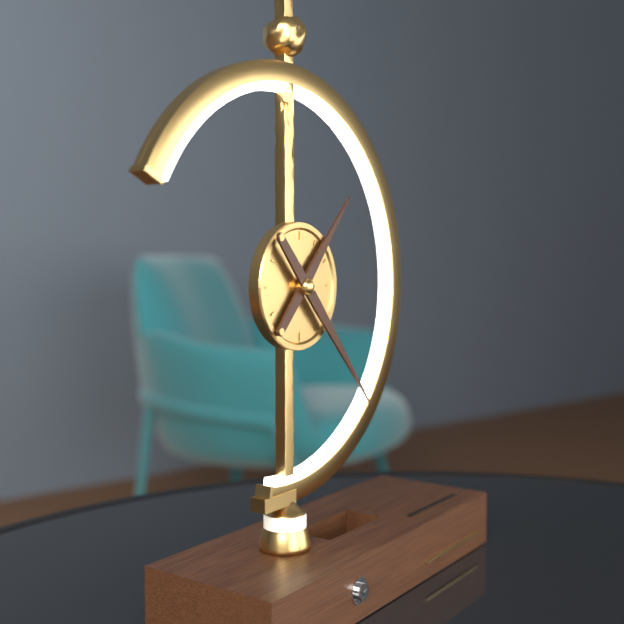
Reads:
1h23
